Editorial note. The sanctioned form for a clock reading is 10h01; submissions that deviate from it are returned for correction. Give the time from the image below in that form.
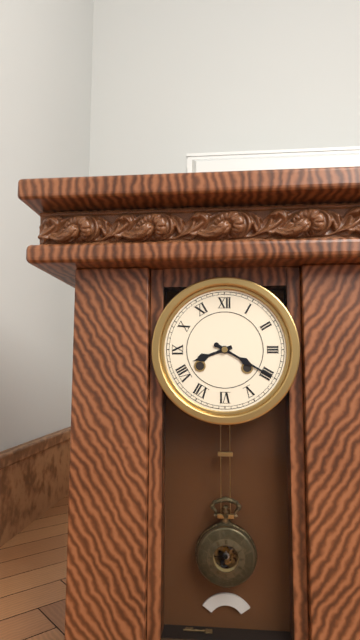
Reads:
8h20
